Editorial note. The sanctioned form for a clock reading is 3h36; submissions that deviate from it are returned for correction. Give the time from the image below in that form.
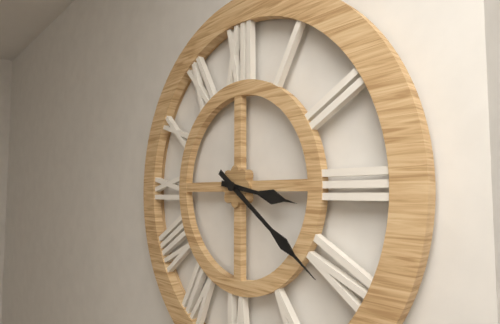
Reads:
3h21
